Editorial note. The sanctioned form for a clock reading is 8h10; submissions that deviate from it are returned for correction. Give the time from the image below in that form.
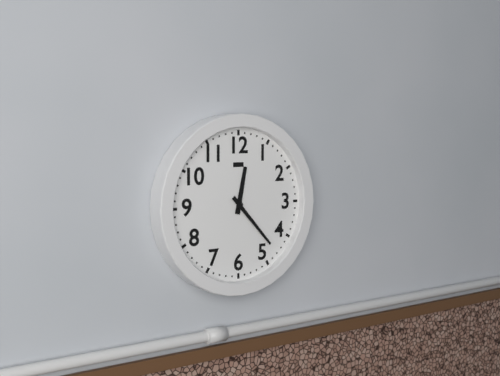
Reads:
12h23
